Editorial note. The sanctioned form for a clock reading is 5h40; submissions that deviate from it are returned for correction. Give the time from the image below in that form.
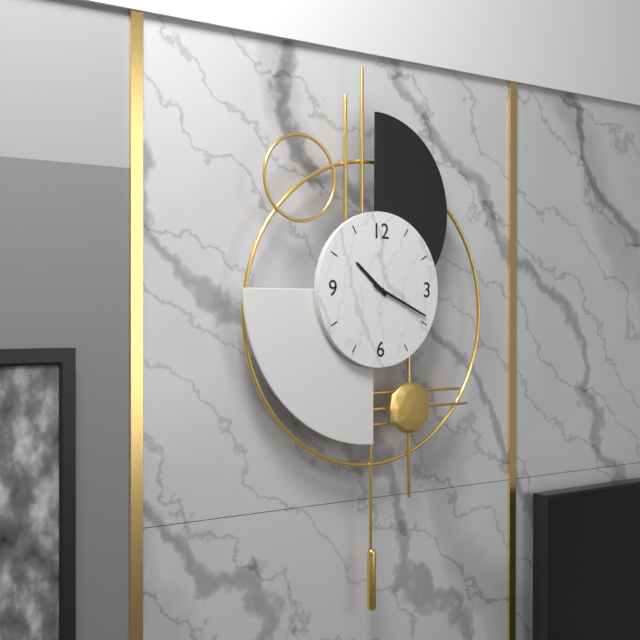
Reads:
10h19
